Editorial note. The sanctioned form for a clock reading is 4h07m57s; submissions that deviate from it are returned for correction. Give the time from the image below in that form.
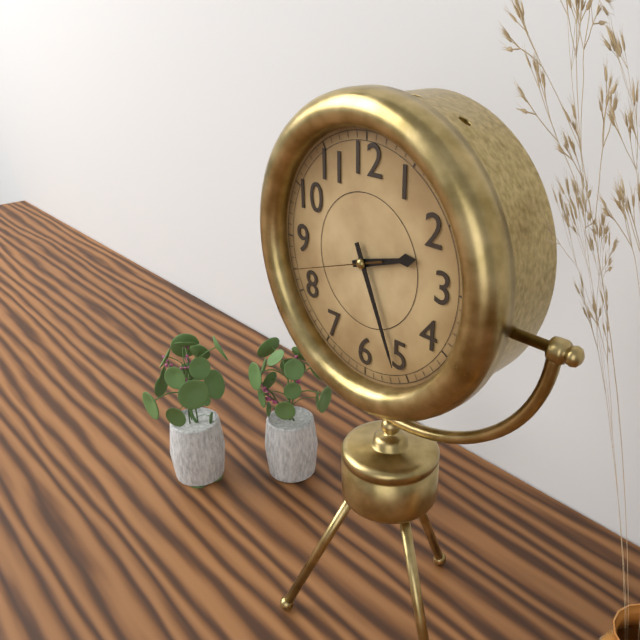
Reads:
2h26m42s
